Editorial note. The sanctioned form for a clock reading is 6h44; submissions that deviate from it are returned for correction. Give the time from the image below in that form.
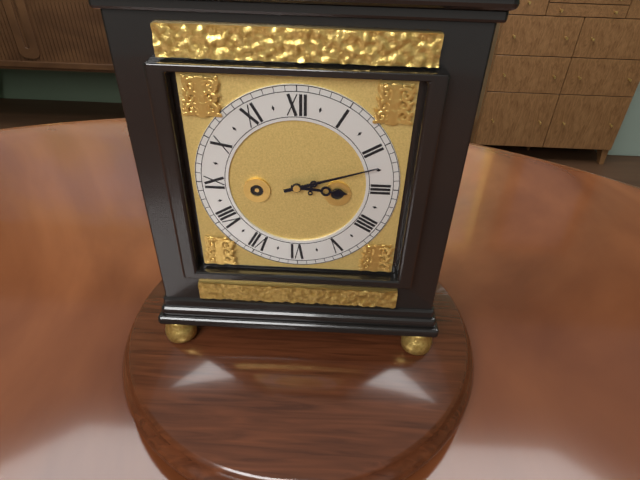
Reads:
3h12
